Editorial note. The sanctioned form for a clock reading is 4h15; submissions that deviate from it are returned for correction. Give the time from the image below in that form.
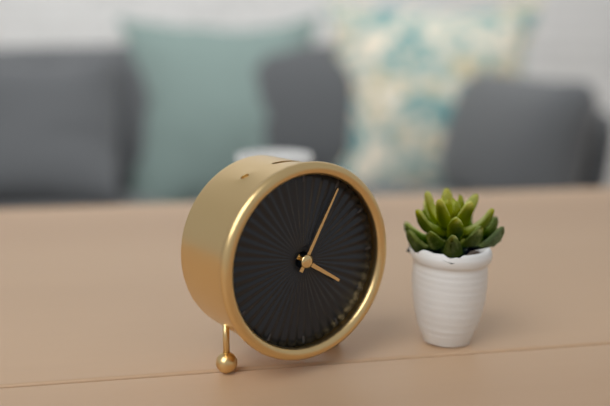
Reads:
4h05
